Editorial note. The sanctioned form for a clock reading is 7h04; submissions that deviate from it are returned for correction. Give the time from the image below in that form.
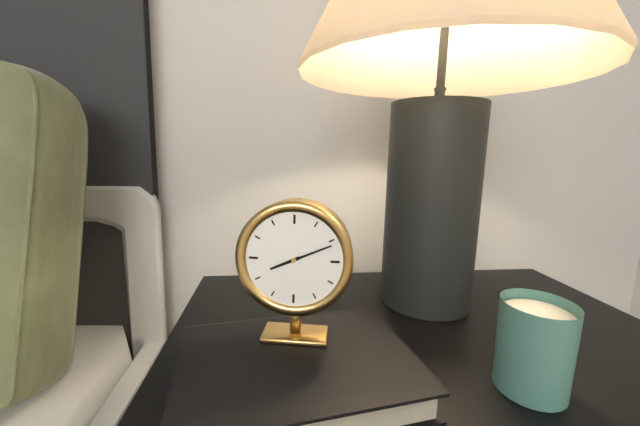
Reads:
8h11
